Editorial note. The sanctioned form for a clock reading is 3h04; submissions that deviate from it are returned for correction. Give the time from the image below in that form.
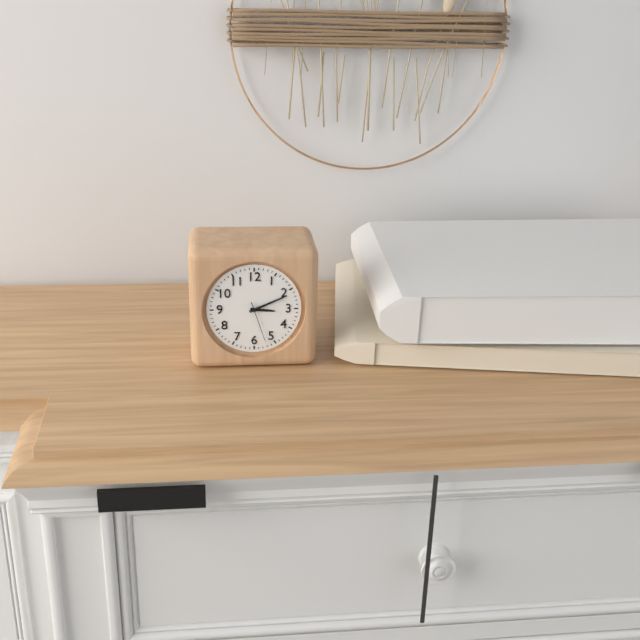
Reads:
3h11
